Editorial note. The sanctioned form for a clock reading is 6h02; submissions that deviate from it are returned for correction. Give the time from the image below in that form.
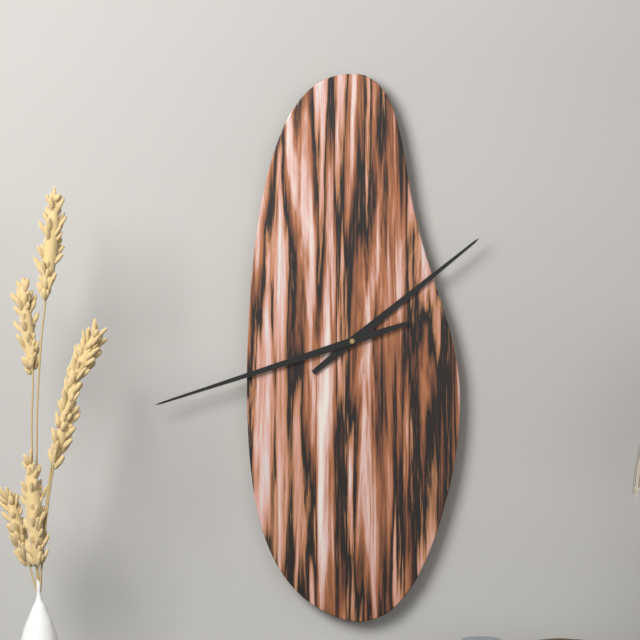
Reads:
1h42
